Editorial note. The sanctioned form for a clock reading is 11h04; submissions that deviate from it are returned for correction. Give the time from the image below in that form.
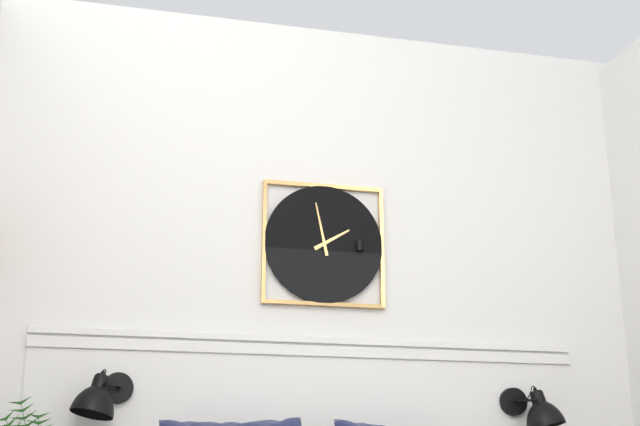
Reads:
1h58
